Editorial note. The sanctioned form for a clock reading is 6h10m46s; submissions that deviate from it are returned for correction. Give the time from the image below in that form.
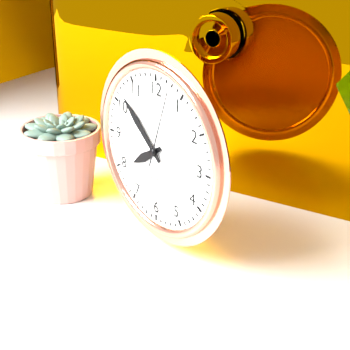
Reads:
7h52m03s
